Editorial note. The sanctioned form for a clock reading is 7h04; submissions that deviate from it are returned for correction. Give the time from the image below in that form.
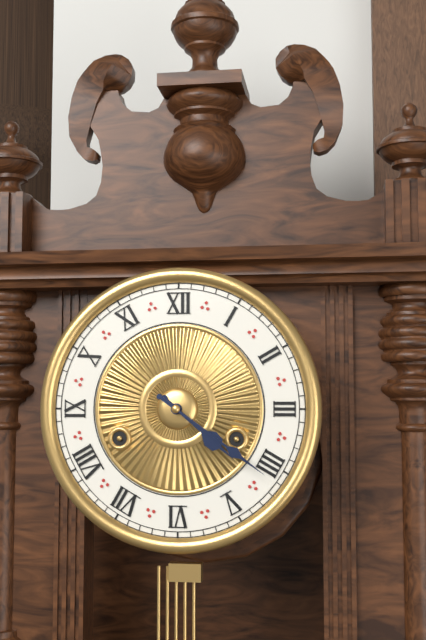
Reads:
4h21
